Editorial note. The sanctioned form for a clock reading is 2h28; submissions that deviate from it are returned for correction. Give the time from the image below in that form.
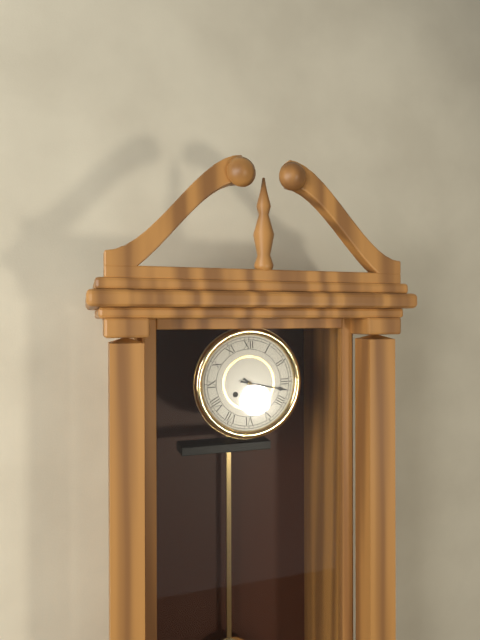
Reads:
4h17
